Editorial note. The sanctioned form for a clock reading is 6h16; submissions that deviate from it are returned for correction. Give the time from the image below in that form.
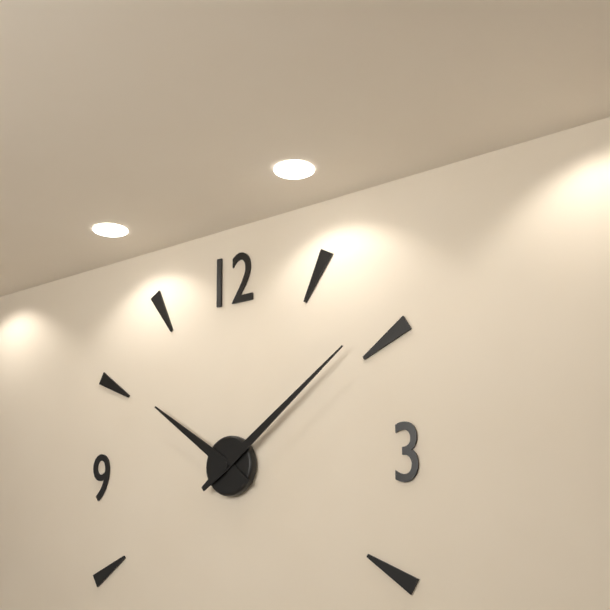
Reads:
10h09
